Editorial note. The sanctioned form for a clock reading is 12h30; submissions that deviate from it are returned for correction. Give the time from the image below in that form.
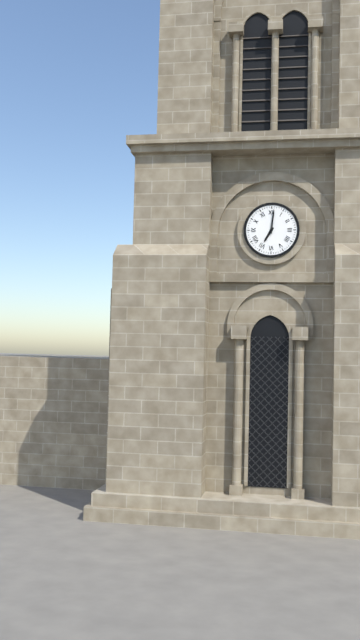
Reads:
7h01
